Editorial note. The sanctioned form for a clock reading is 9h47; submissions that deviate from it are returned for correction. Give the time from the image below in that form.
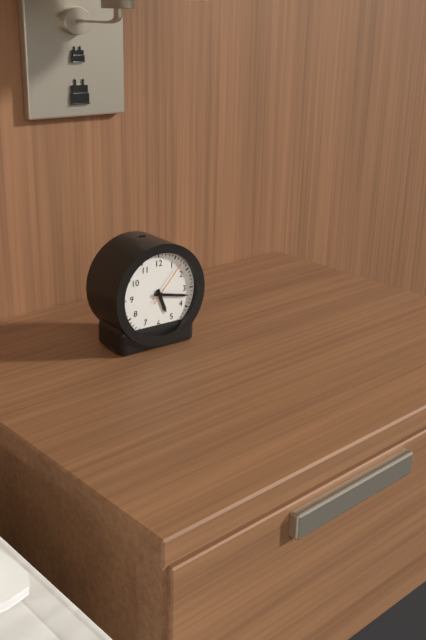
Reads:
5h17
